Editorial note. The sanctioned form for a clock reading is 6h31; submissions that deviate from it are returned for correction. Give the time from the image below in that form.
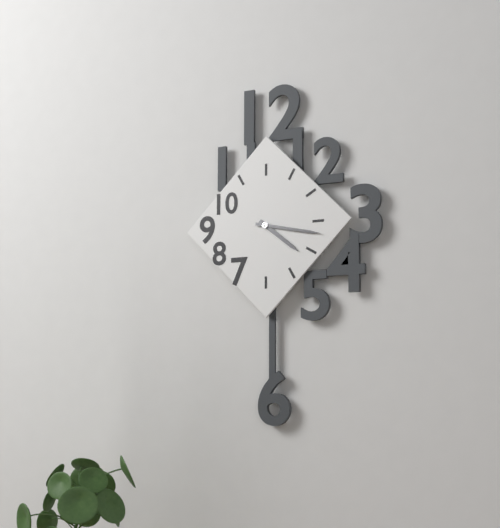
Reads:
4h17
